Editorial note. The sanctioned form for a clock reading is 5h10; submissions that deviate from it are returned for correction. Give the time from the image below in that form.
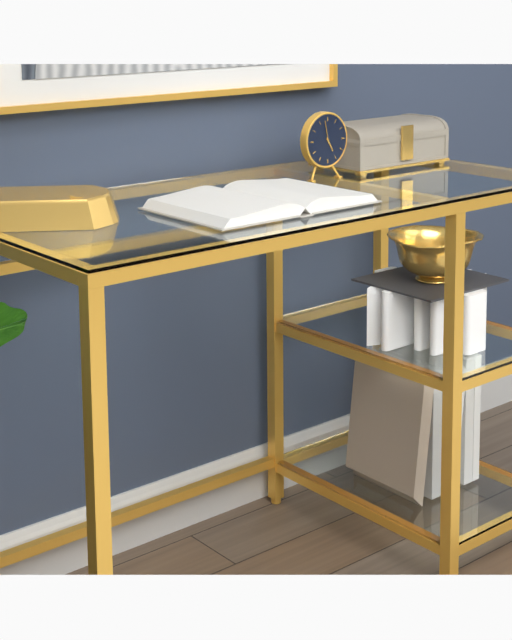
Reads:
4h58
